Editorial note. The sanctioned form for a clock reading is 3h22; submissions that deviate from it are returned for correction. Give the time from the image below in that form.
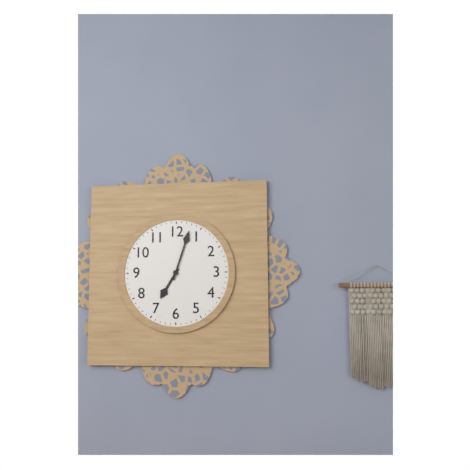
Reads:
7h03
